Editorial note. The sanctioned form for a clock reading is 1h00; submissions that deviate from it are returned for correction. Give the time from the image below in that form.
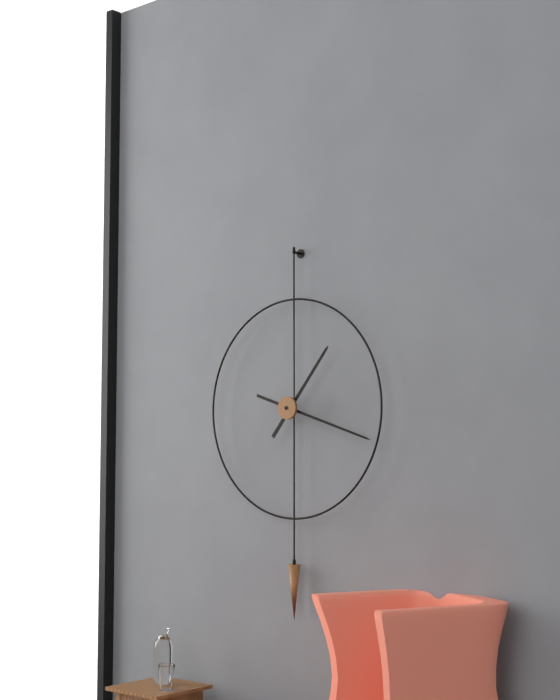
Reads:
1h18
